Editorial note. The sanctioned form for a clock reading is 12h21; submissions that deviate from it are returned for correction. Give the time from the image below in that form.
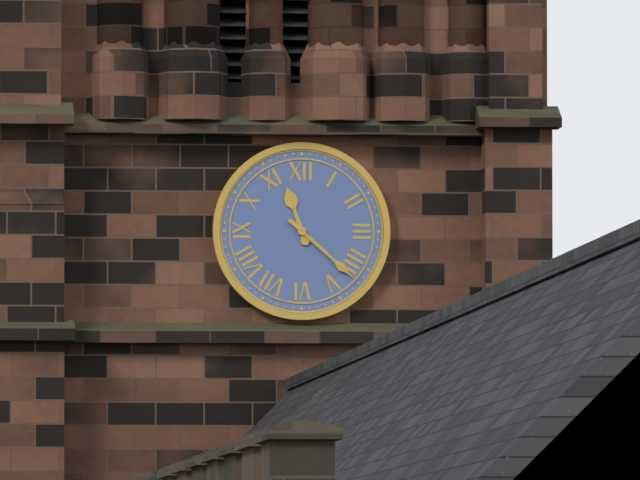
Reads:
11h22
